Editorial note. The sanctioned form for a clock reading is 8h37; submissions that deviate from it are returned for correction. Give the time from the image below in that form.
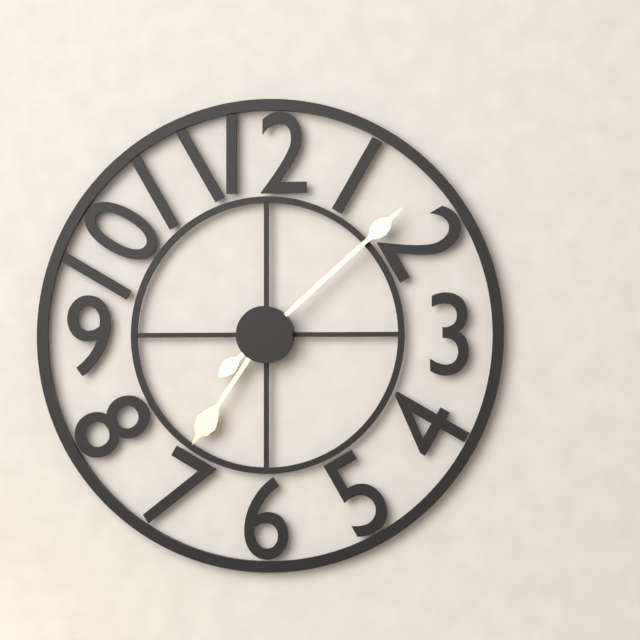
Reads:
7h08
